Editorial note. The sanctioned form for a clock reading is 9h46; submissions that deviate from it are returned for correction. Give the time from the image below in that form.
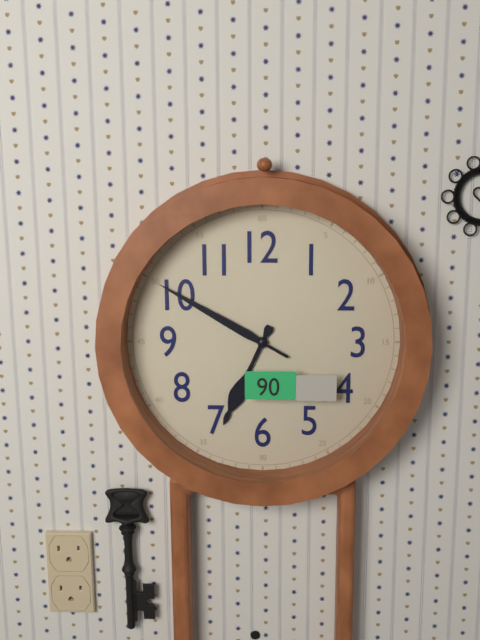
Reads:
6h50
